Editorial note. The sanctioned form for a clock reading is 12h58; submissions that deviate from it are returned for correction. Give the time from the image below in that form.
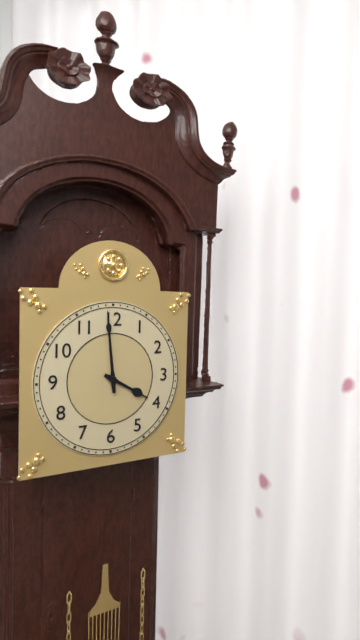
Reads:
3h59
